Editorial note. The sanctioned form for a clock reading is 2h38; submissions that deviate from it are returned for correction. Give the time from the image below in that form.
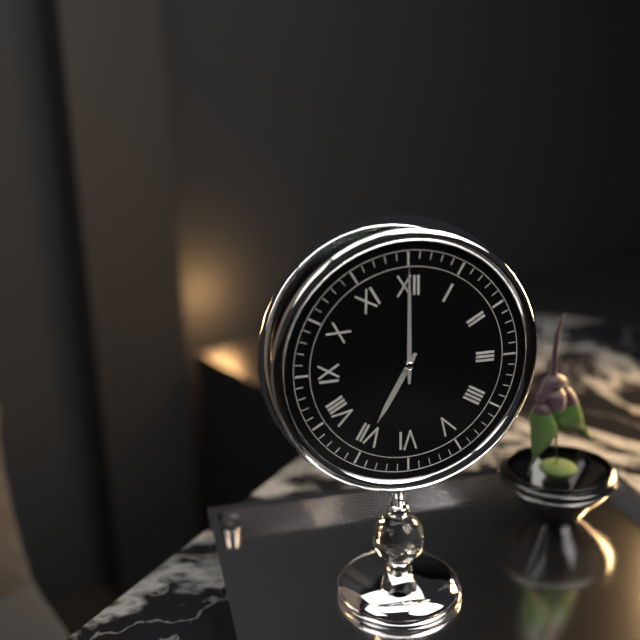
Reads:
7h00
